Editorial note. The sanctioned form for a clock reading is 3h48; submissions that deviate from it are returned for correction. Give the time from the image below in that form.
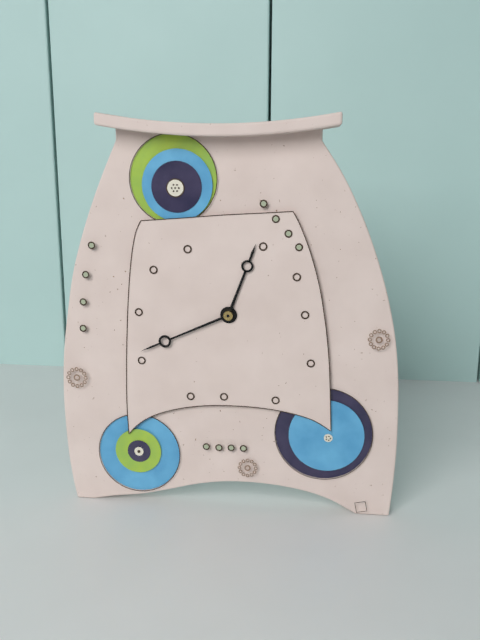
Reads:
12h41
